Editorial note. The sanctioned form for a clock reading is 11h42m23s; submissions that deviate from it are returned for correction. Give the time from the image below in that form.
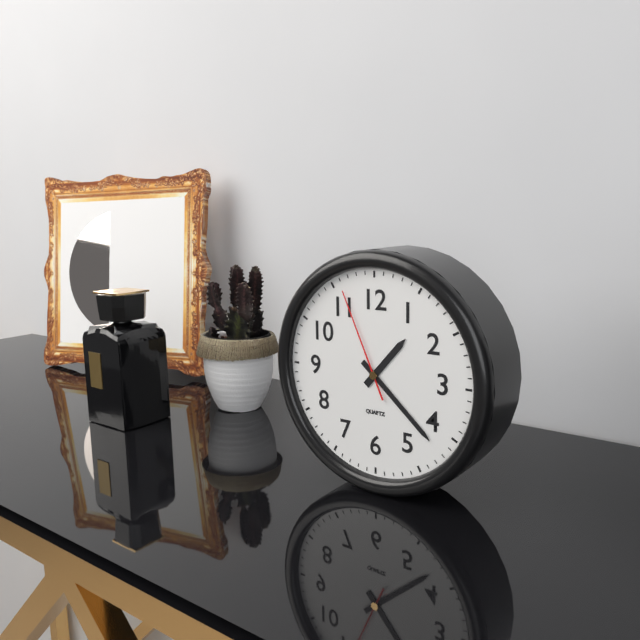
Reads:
1h22m56s
